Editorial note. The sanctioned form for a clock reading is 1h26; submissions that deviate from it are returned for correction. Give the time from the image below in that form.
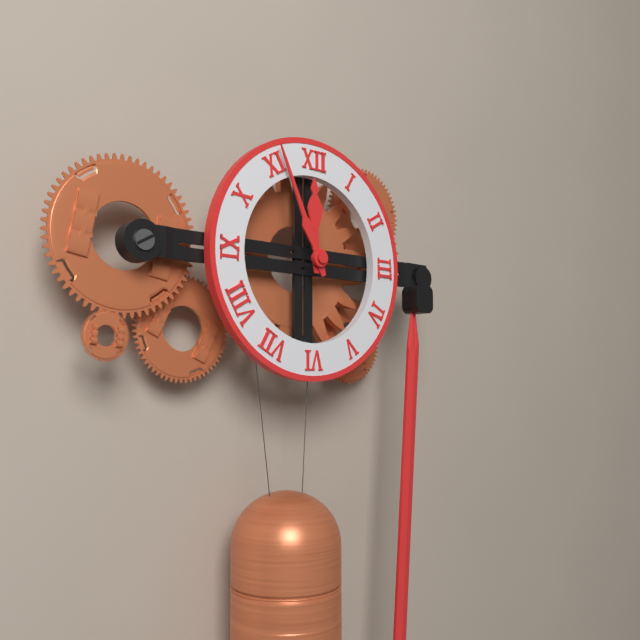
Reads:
11h56
